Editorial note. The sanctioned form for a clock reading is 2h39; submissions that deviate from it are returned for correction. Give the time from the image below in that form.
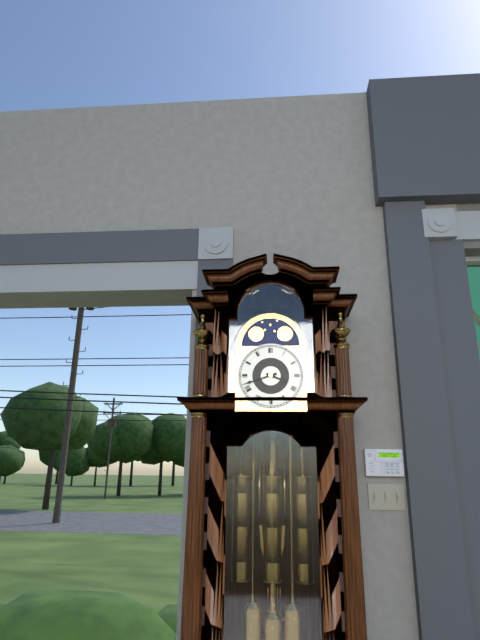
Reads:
3h42
